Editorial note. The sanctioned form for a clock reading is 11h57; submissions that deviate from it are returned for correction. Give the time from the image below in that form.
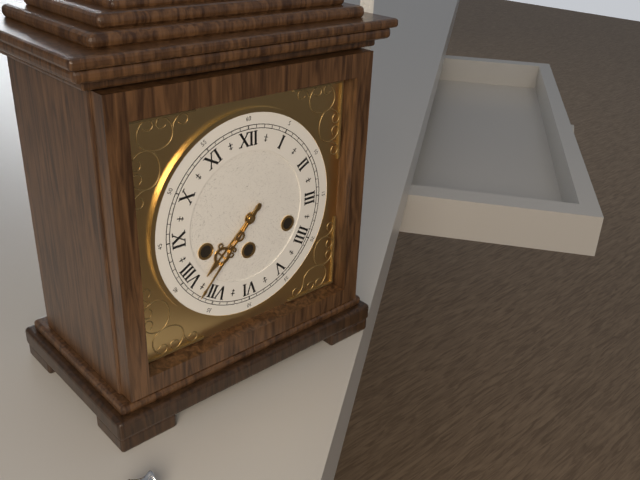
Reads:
7h37
